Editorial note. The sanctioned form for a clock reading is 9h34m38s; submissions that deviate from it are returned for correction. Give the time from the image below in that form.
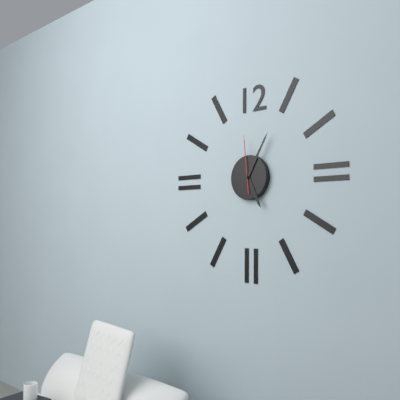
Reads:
5h05m59s
